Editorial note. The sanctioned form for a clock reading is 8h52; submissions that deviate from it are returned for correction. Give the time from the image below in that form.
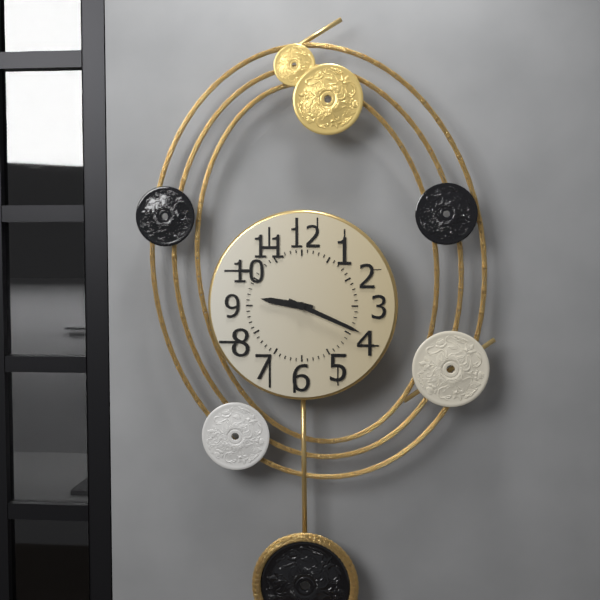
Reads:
9h19
